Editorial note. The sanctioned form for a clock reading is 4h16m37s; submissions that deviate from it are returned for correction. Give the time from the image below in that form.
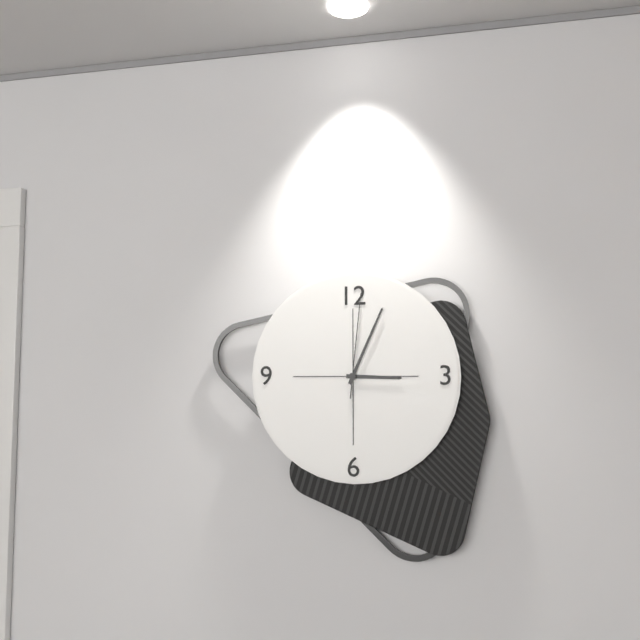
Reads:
3h04m01s
